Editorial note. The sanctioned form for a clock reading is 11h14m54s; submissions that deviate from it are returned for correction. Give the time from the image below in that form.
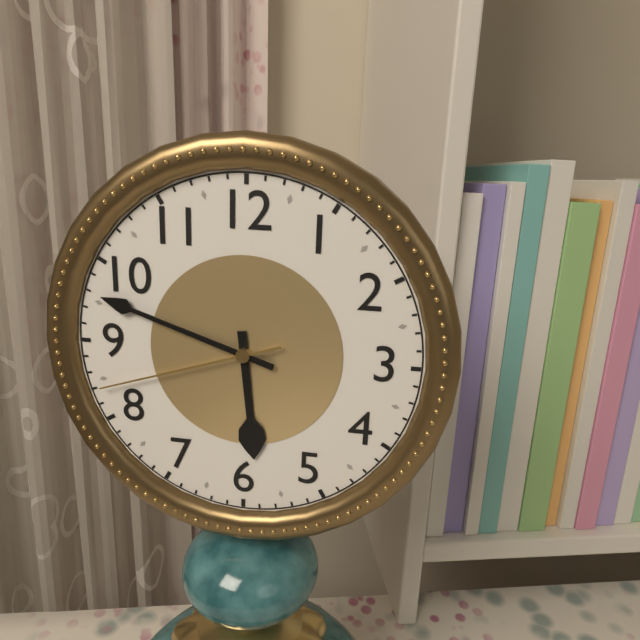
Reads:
5h48m42s
